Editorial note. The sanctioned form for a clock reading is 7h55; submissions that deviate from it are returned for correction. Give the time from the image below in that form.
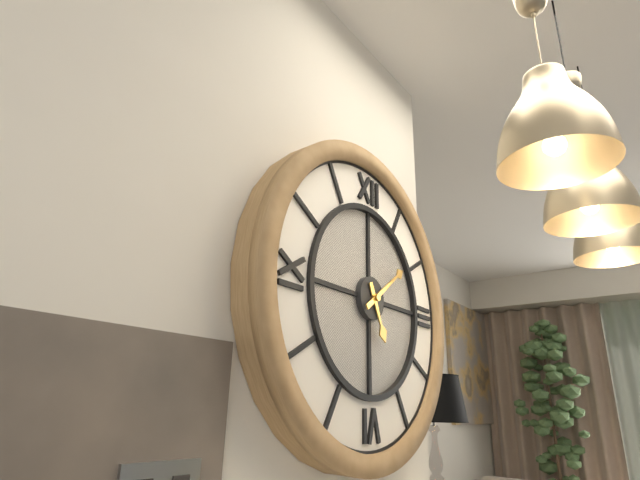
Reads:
5h09
